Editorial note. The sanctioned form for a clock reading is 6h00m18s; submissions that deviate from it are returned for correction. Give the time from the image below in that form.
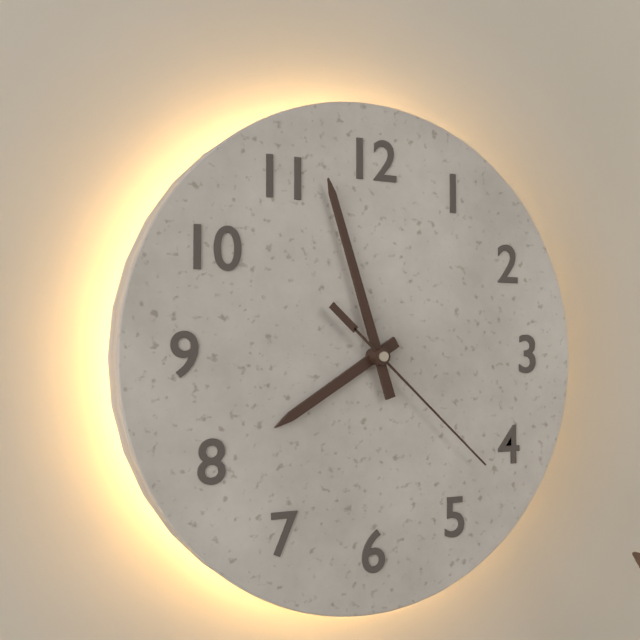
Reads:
7h57m22s
